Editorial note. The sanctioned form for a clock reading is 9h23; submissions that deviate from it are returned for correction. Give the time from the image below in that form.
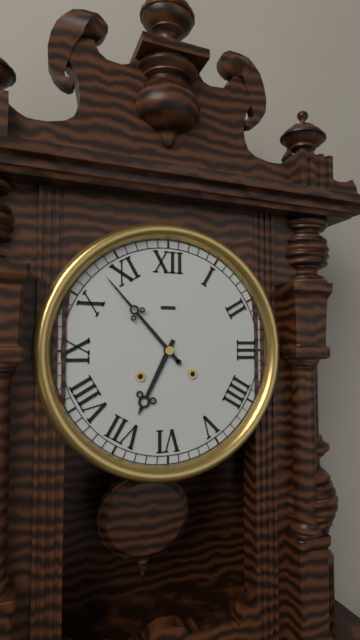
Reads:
6h53
